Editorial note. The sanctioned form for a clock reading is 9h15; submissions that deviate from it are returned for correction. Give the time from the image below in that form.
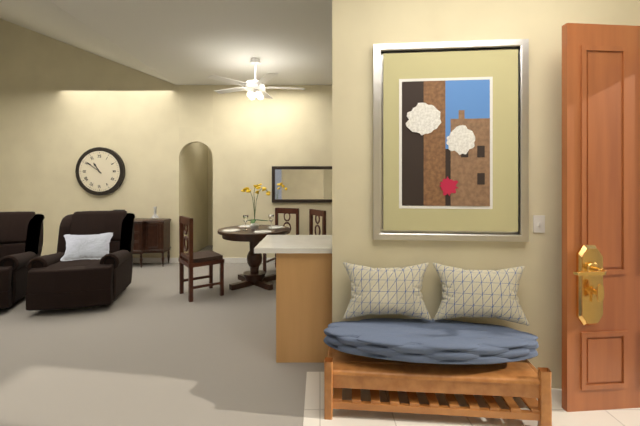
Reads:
10h51
